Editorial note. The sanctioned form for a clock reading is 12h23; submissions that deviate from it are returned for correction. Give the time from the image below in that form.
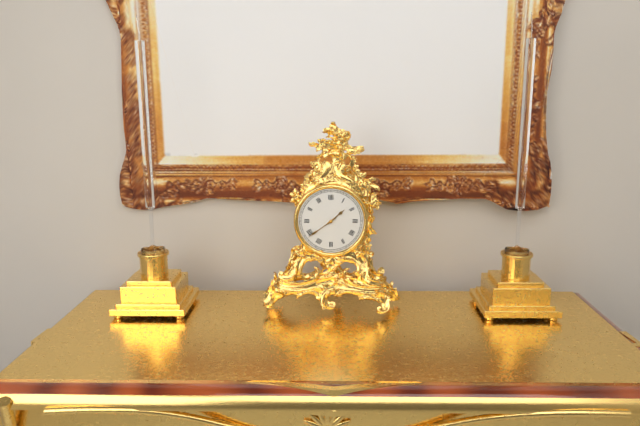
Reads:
1h39
